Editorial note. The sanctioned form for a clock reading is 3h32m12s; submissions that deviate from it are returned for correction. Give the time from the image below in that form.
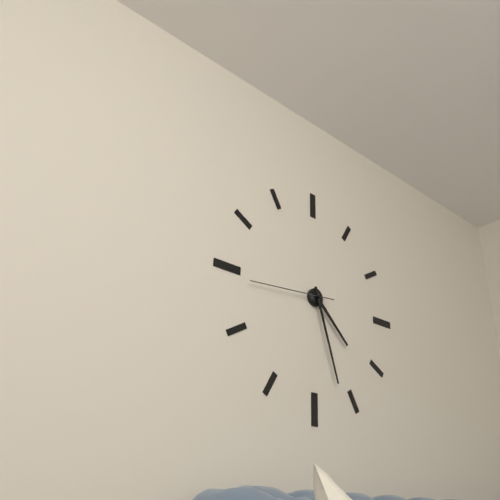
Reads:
4h27m44s
